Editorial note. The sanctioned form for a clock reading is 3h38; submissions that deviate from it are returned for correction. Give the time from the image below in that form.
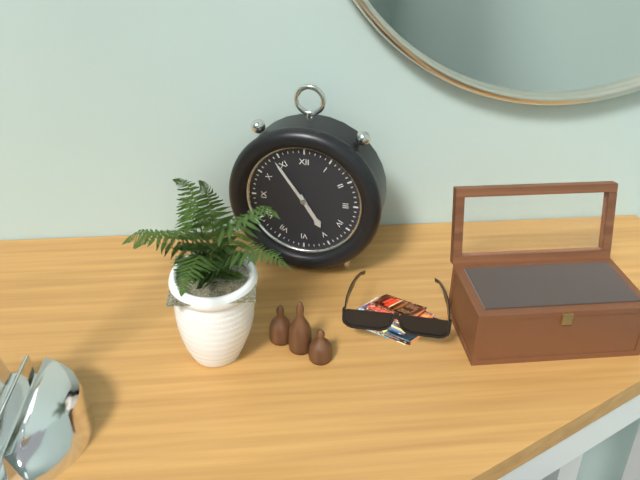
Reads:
4h54
